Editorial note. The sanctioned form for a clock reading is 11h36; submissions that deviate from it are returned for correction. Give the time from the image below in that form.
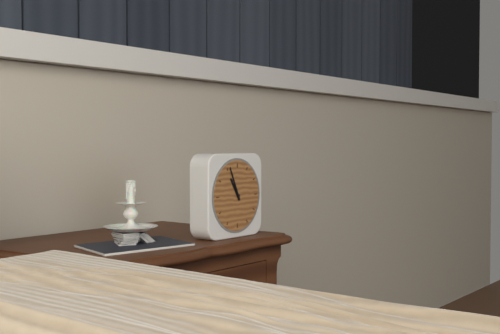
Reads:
10h56
